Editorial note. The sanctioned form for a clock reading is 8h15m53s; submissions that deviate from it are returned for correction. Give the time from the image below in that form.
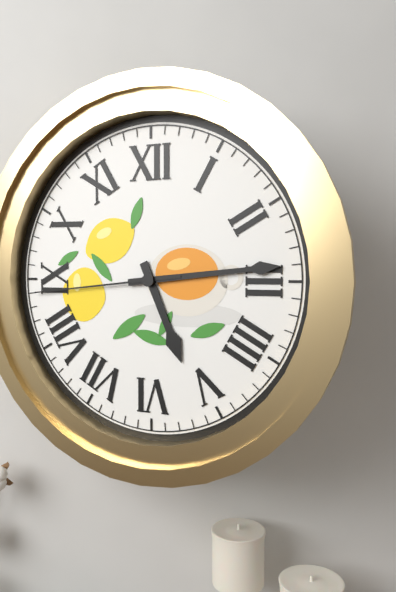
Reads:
5h14m44s
